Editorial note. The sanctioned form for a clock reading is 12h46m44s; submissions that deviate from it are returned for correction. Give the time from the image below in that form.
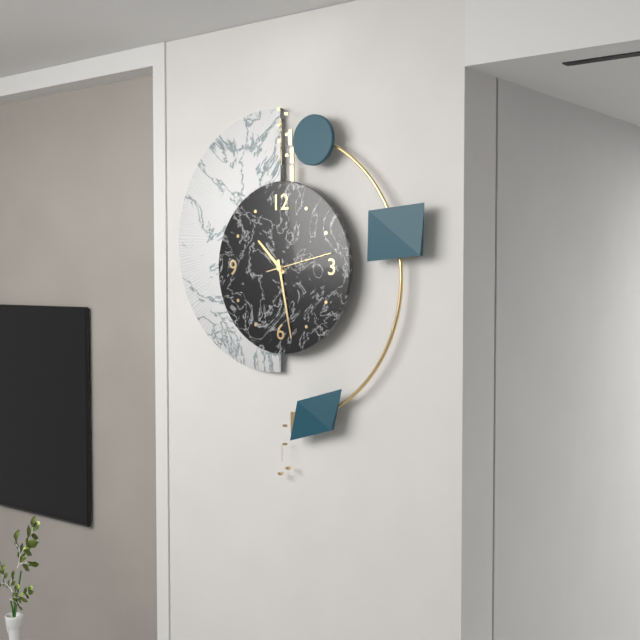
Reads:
10h28m13s
